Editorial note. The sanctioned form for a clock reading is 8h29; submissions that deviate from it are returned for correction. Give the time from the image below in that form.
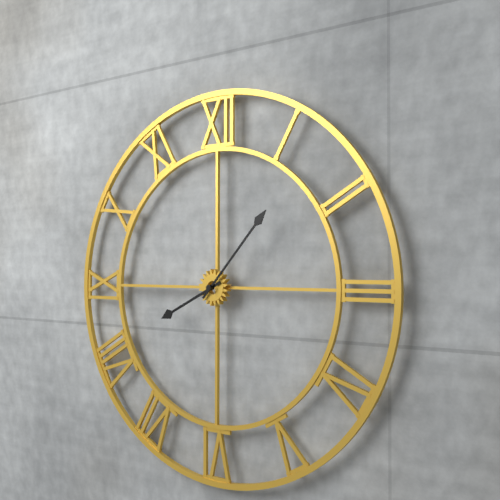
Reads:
8h07
